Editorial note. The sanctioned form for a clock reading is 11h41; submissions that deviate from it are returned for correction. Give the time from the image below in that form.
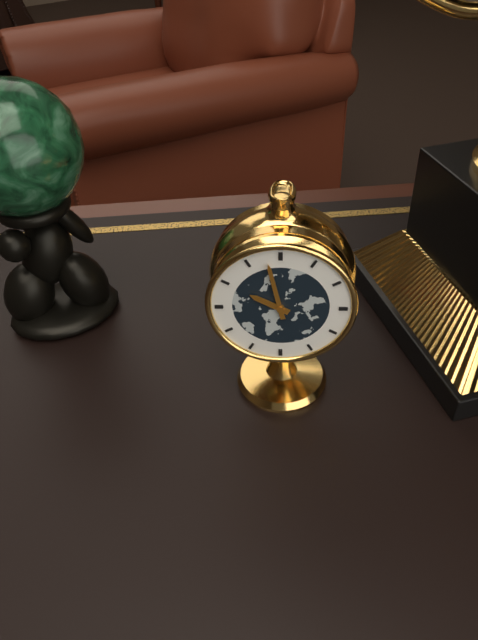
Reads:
9h58
